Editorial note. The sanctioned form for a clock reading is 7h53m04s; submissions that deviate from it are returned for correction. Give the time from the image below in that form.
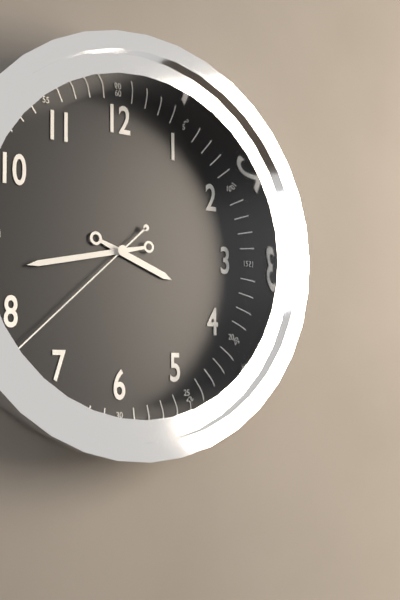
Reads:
3h43m38s
